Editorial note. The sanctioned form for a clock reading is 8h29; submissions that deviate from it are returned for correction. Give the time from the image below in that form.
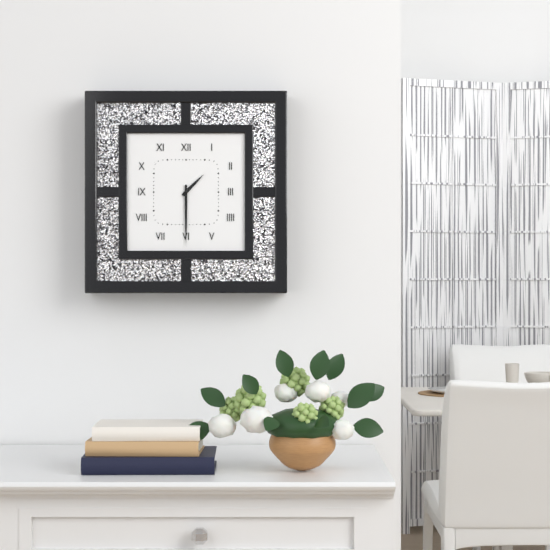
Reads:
1h30
